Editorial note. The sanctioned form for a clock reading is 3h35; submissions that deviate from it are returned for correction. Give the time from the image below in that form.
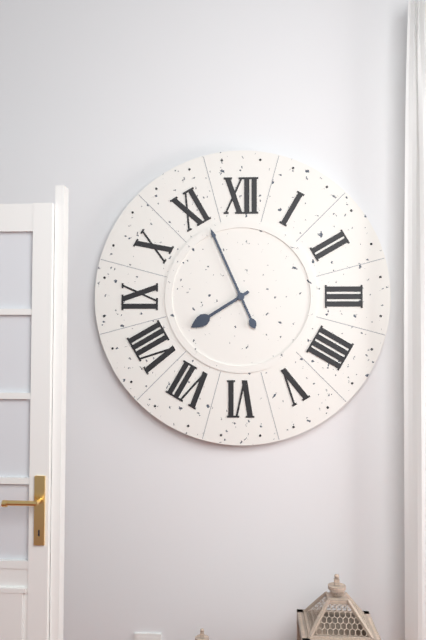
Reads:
7h56
